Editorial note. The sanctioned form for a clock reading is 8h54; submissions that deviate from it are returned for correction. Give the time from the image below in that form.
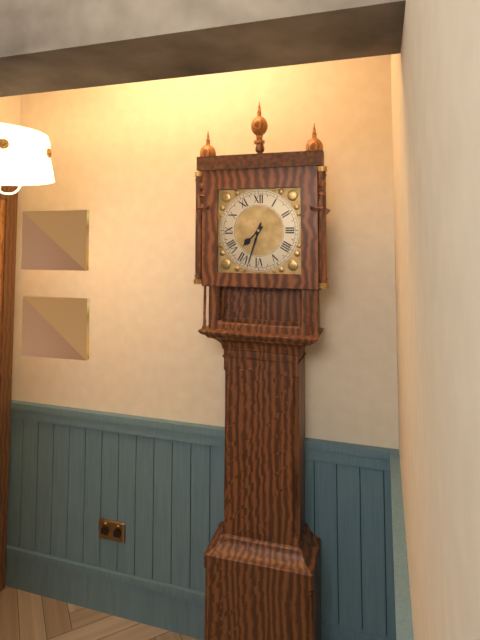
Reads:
7h33
